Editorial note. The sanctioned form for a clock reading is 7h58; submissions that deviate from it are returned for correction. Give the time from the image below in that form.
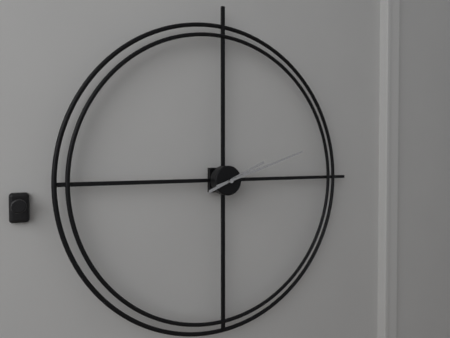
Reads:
2h12
